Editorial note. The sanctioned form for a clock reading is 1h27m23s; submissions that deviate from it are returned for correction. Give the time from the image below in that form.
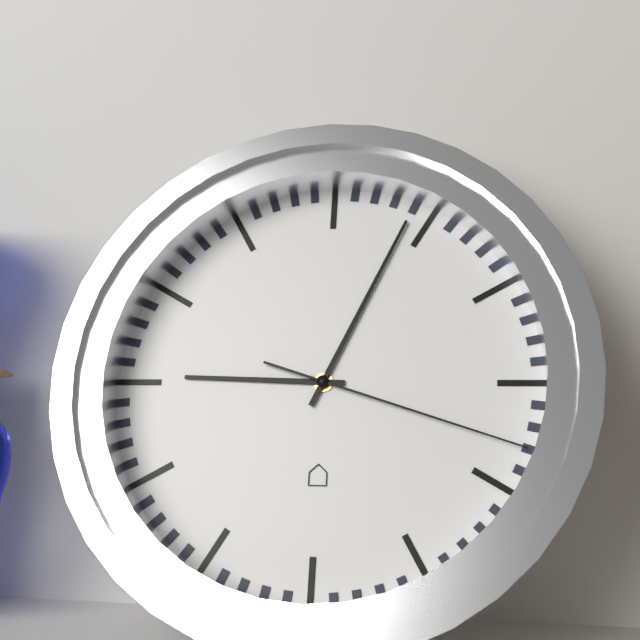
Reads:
9h04m18s
